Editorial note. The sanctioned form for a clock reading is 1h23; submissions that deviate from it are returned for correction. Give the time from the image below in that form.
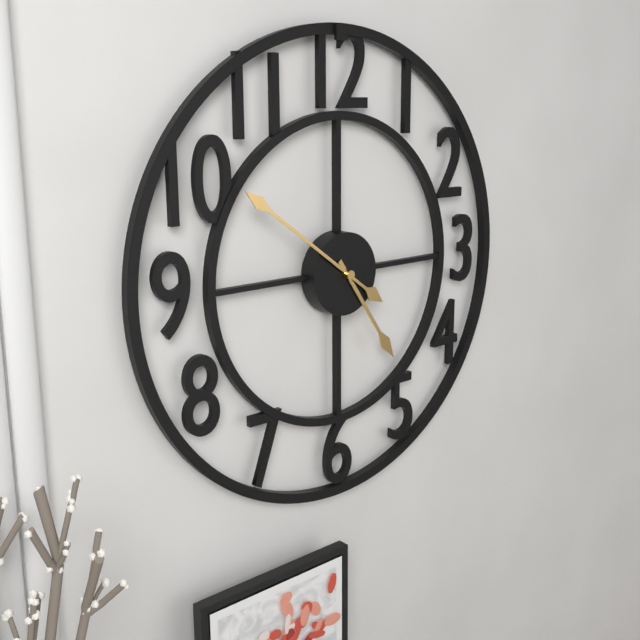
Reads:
4h51
